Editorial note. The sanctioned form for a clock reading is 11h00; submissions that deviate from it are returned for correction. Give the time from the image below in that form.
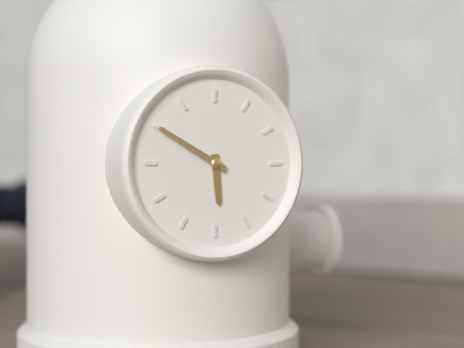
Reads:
5h50
